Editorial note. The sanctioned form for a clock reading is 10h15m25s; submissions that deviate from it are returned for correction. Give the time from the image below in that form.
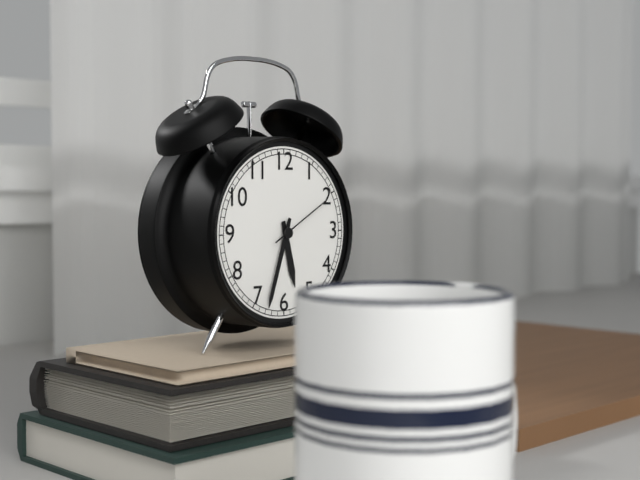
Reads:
5h33m10s
